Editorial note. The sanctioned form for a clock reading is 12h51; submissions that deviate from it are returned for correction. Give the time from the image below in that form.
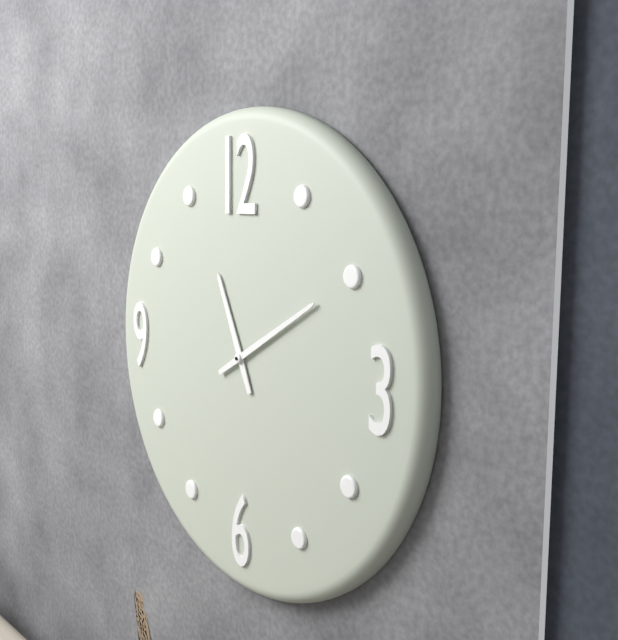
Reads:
11h10
